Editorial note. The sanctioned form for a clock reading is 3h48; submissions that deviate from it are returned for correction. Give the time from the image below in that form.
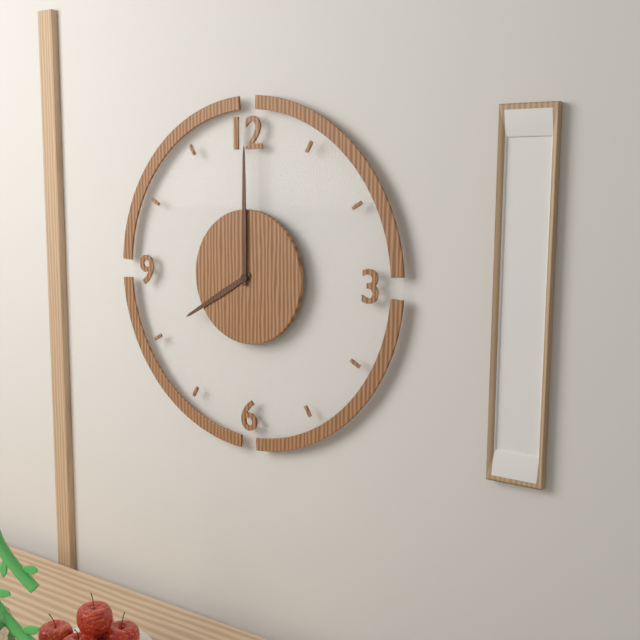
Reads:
8h00
